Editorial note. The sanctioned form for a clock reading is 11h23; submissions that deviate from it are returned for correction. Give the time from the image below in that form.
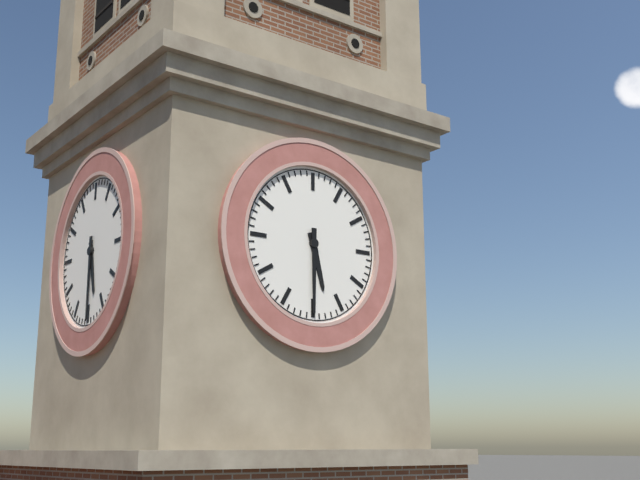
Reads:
5h30
